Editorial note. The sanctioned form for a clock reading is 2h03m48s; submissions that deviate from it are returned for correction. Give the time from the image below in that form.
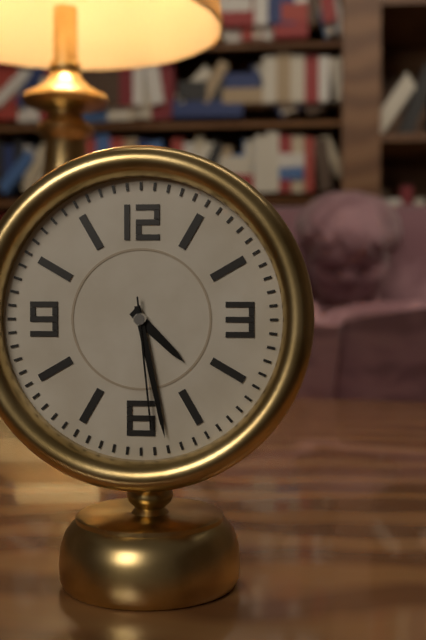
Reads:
4h28m29s
